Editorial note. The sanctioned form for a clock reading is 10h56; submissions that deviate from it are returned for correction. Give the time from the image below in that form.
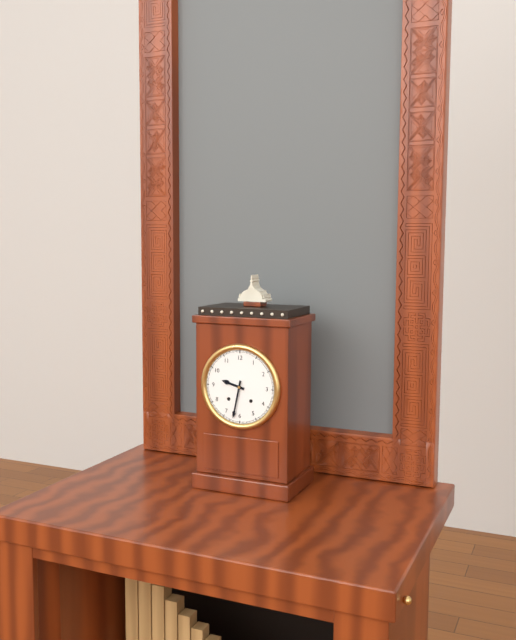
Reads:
9h32
